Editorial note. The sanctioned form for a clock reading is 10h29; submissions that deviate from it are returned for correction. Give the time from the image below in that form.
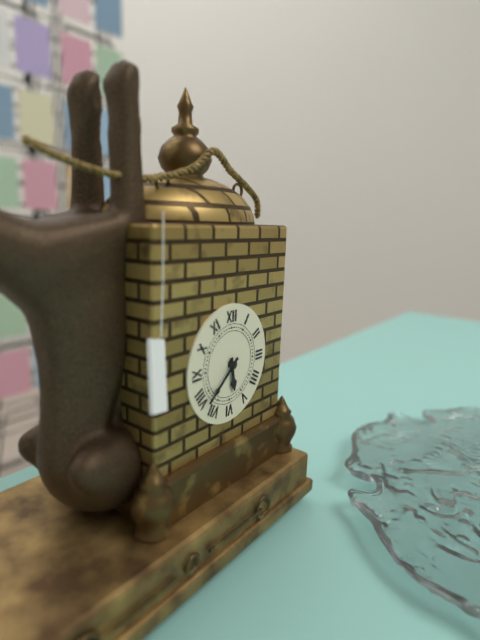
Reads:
5h38
